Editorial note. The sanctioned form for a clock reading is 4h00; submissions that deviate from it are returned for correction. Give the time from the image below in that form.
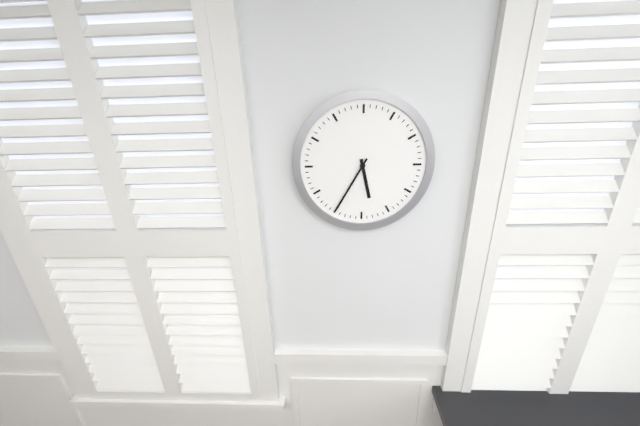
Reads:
5h35
